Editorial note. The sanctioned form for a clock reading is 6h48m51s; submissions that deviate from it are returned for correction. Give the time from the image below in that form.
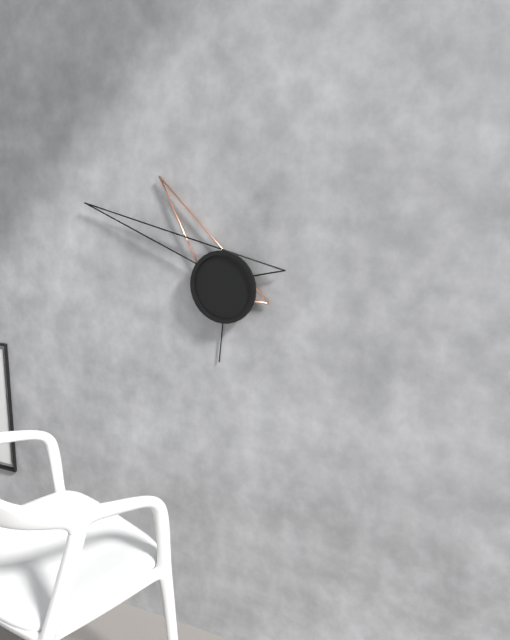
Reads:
10h49m31s
